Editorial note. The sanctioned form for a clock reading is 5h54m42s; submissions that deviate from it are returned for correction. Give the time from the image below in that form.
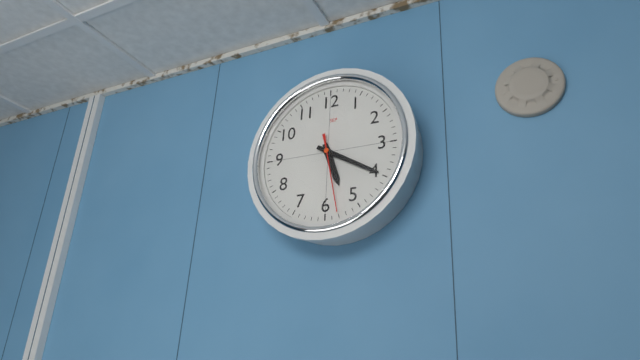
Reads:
5h20m28s
